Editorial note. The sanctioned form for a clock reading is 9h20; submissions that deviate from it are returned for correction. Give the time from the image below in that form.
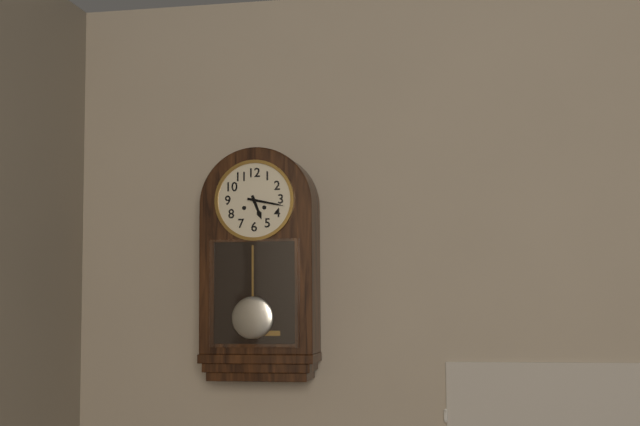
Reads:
5h17
